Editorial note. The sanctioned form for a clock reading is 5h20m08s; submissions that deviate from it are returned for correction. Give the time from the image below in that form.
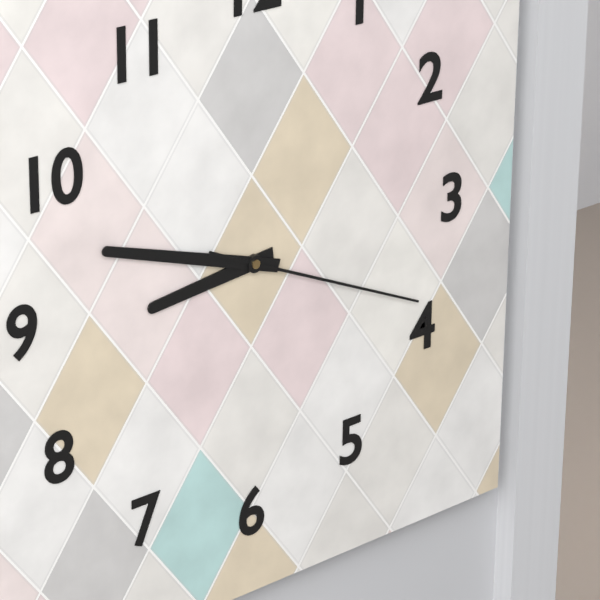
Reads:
8h48m19s
